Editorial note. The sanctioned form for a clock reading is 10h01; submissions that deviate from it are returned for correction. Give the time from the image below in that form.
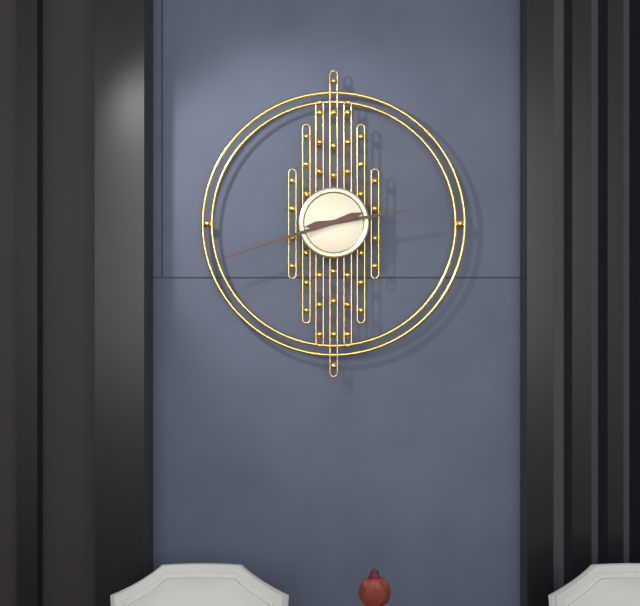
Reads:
2h42
